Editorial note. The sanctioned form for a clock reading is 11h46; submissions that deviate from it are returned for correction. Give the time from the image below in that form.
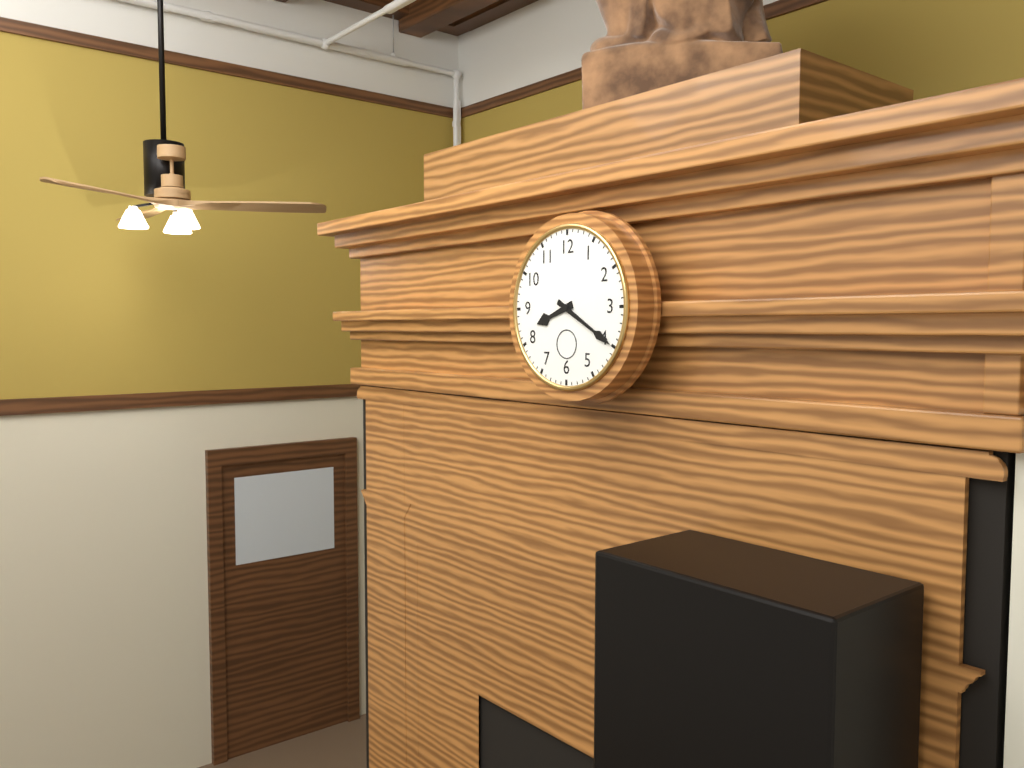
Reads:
8h20
